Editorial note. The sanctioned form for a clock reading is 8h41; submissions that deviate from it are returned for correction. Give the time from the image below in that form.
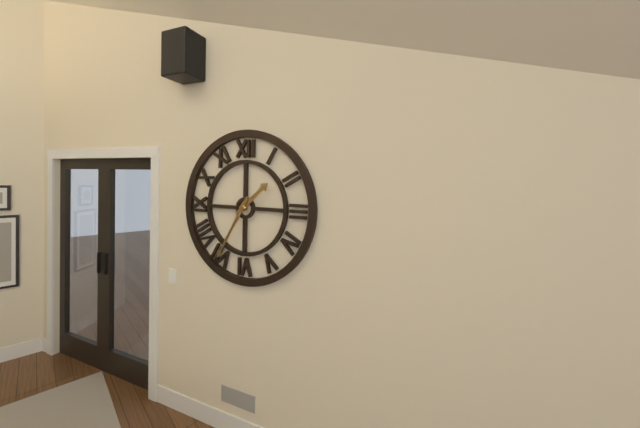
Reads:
1h35
